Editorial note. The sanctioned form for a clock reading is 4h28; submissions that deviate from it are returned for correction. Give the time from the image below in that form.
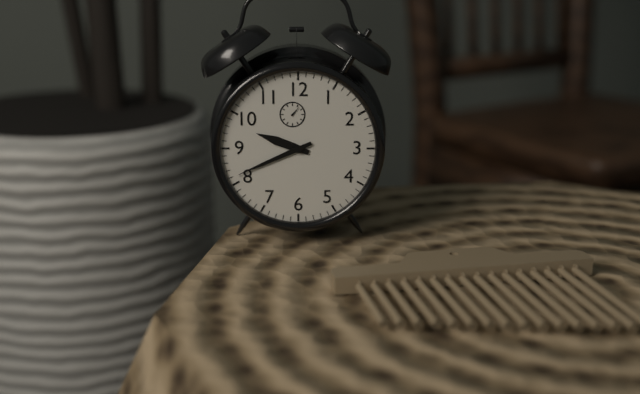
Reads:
9h41
